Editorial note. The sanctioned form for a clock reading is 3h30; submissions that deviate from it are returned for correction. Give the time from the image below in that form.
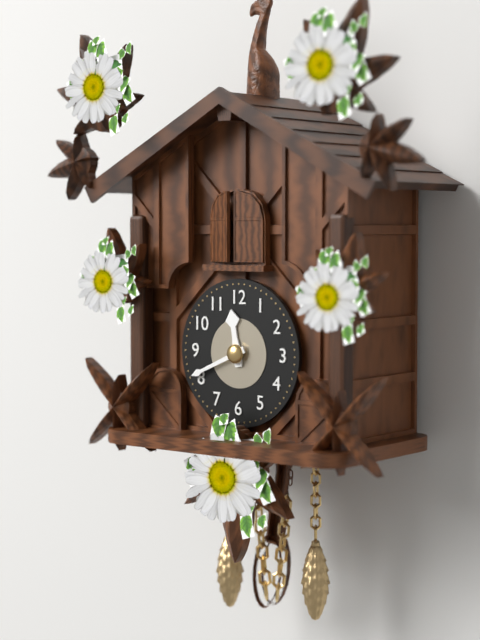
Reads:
11h41
